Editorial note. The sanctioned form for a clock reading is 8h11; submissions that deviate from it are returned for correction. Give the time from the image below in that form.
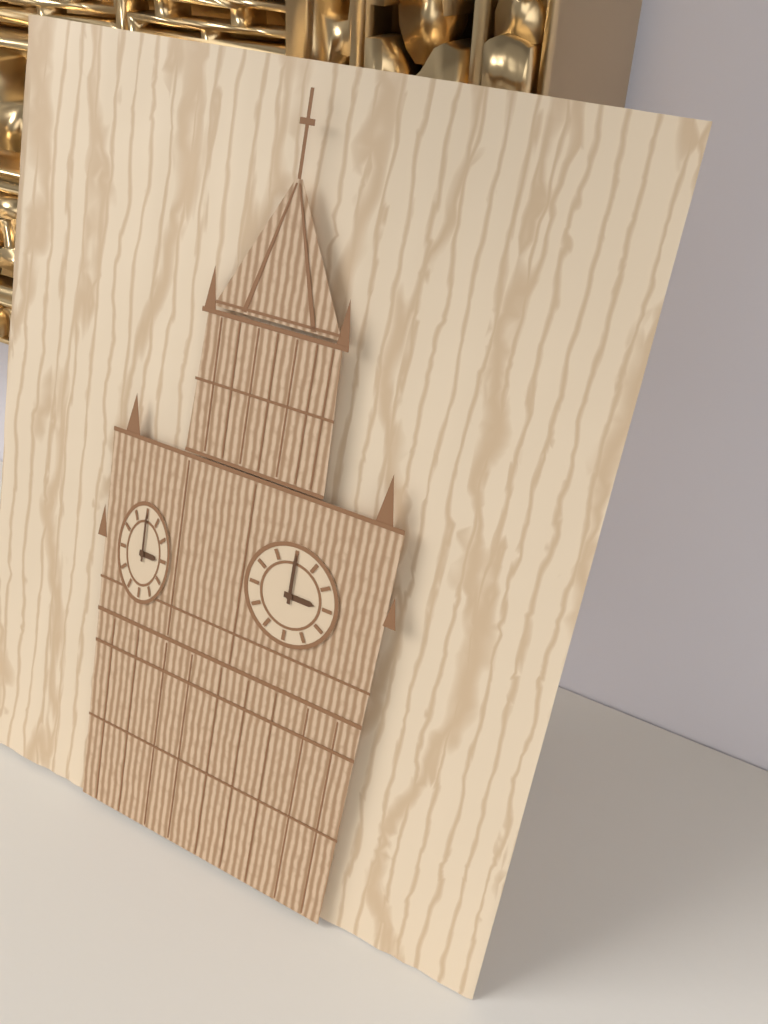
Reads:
3h00
